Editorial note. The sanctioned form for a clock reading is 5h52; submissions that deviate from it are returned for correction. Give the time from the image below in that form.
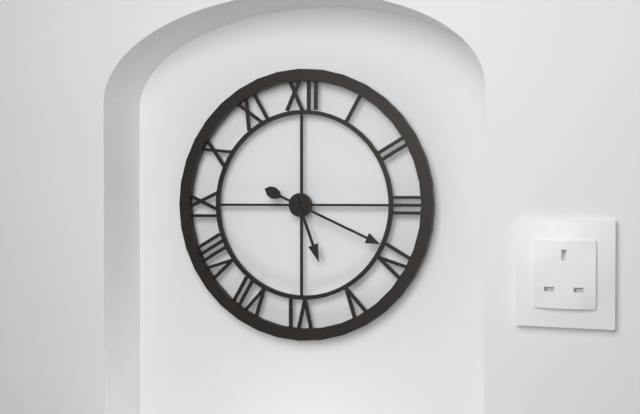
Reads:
5h19
